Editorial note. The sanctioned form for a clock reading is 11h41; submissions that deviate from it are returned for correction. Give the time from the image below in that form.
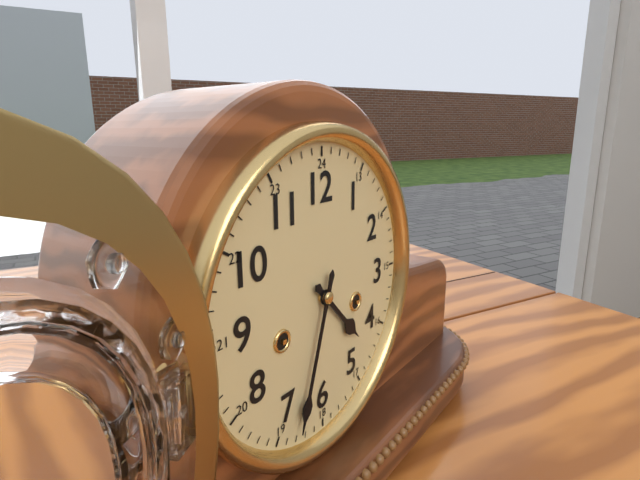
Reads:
4h33
